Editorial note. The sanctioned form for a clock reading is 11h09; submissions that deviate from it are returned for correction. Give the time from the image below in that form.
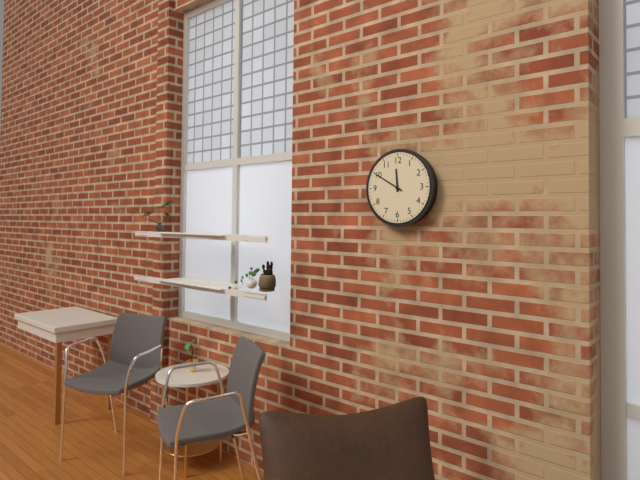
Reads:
11h50
